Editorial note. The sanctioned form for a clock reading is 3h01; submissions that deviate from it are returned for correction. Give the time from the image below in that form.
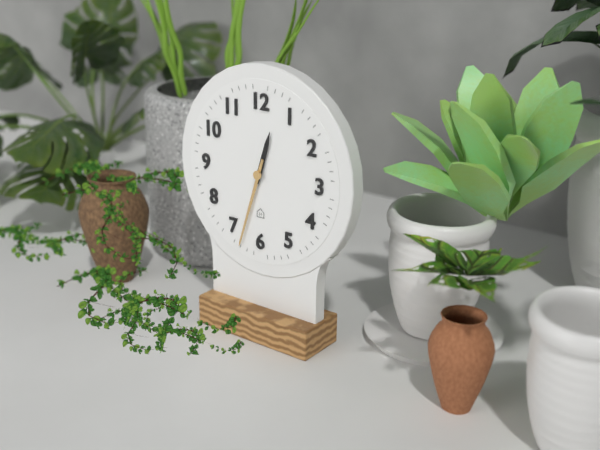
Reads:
12h33
